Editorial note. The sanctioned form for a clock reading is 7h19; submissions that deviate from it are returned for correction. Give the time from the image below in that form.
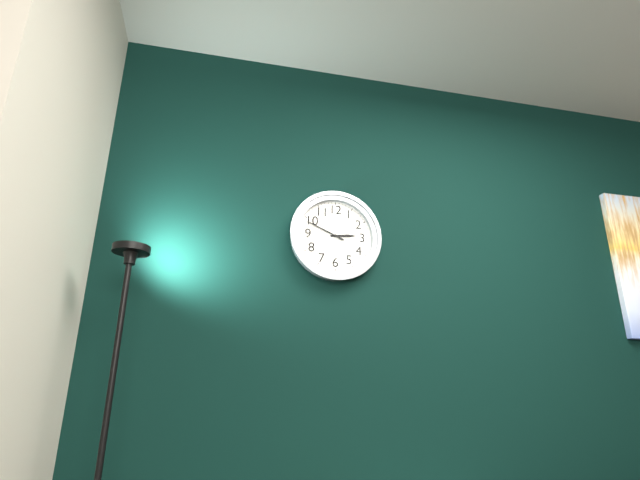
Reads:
2h49
